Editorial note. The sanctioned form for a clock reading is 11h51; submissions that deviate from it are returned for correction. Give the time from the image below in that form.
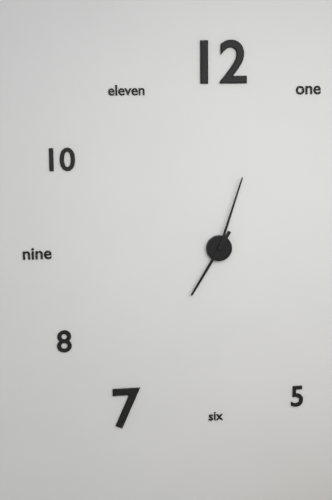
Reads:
7h03
